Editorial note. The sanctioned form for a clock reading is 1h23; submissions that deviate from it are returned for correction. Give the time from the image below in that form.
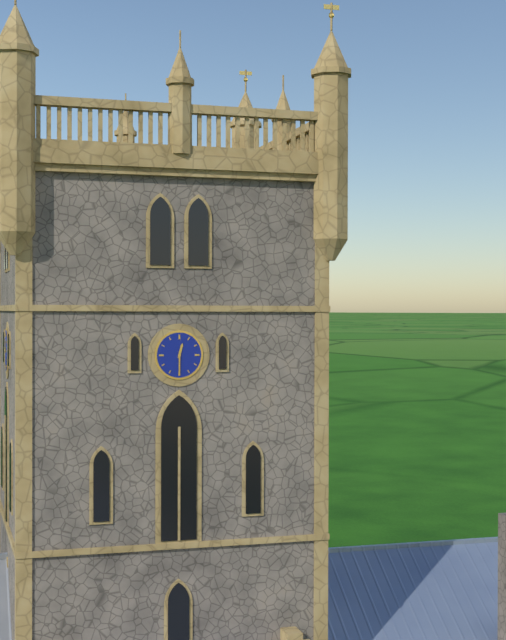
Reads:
12h30
